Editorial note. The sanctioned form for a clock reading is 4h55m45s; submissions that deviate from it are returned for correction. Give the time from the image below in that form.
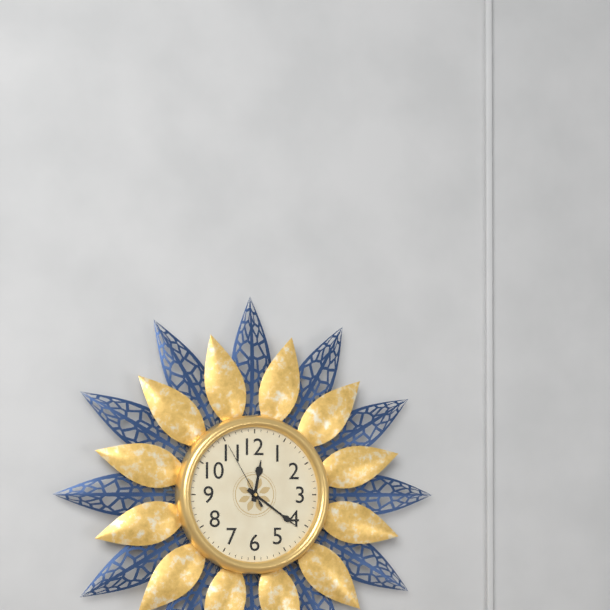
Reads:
12h21m55s
